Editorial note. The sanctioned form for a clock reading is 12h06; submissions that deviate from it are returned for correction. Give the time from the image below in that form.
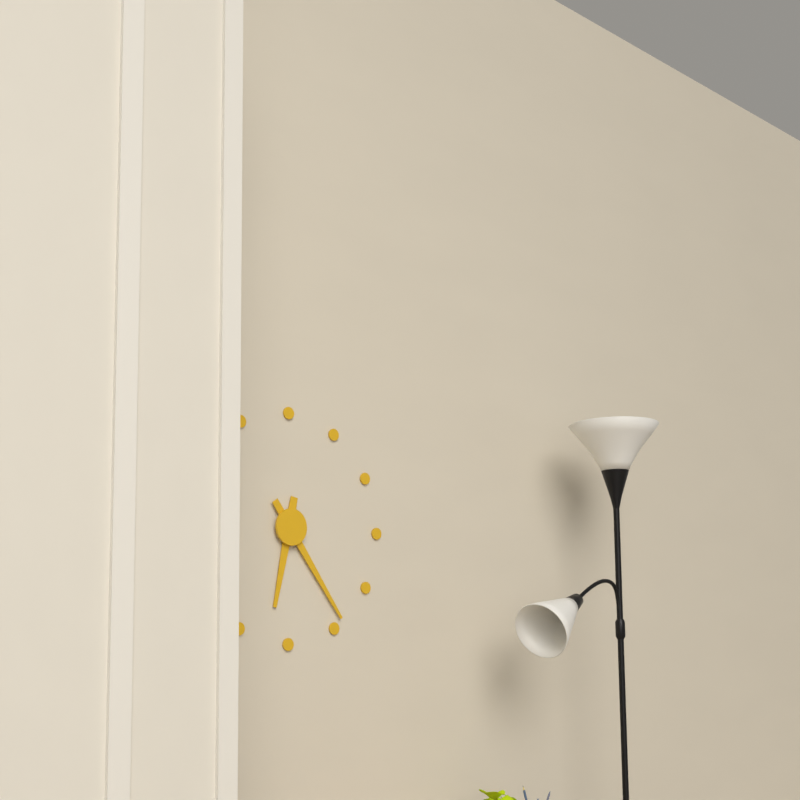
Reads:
6h24
